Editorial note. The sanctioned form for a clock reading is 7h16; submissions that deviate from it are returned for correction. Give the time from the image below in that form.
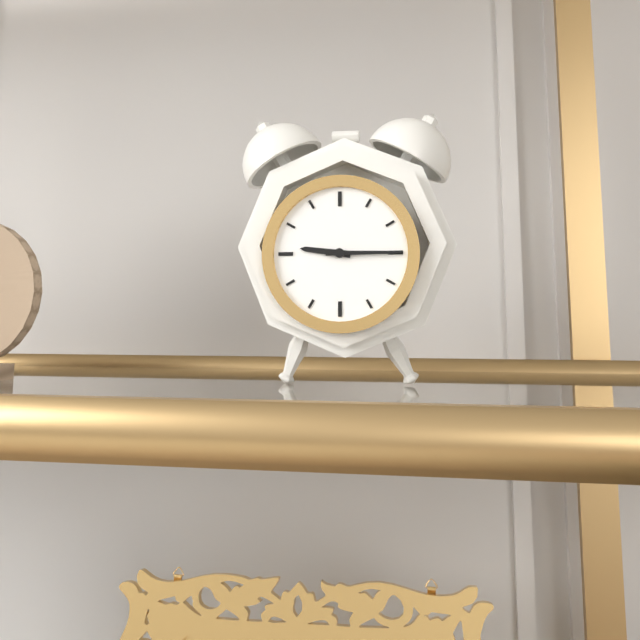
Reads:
9h15
